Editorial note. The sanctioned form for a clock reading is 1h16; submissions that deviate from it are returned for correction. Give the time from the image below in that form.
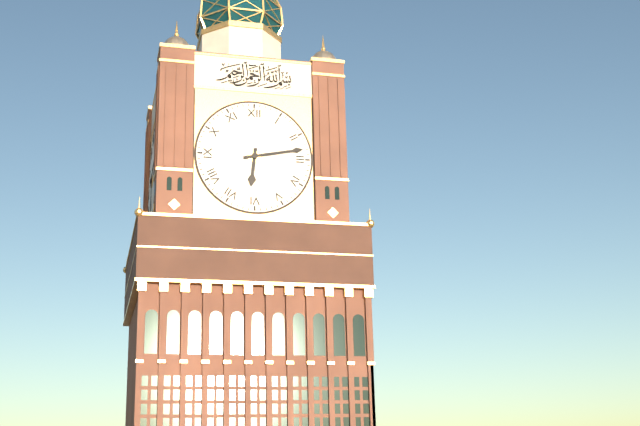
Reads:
6h13
